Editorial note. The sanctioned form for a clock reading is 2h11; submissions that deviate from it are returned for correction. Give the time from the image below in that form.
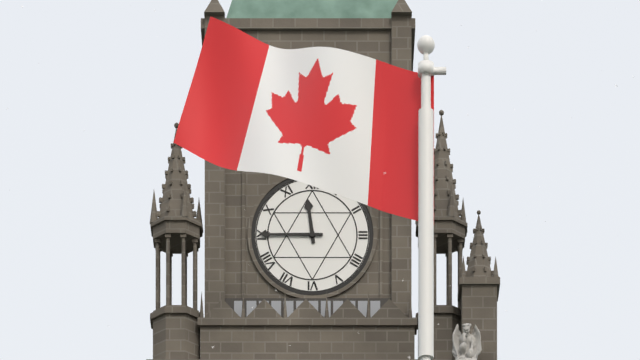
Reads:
11h45
